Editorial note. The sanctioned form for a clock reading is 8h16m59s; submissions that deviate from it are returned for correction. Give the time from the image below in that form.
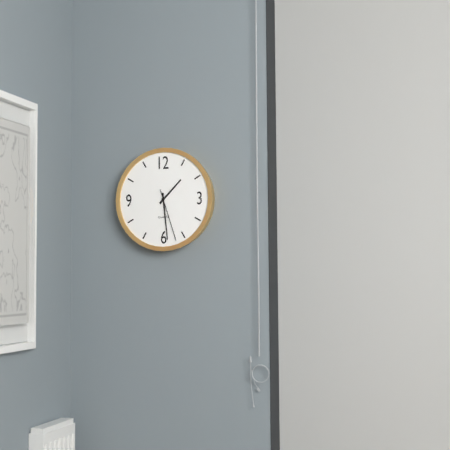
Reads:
1h29m27s
